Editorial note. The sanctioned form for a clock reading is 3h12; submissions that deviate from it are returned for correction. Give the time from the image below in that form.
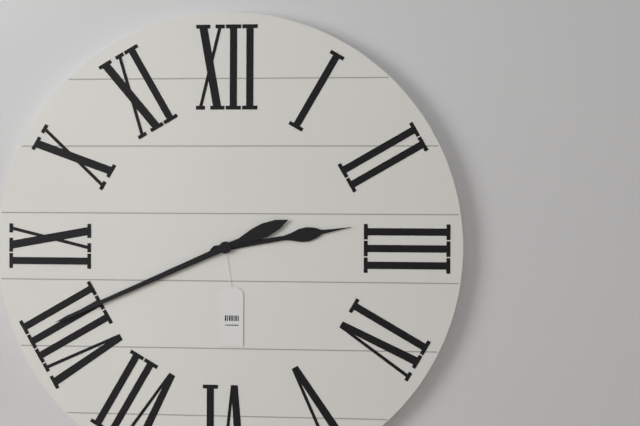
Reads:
2h41
